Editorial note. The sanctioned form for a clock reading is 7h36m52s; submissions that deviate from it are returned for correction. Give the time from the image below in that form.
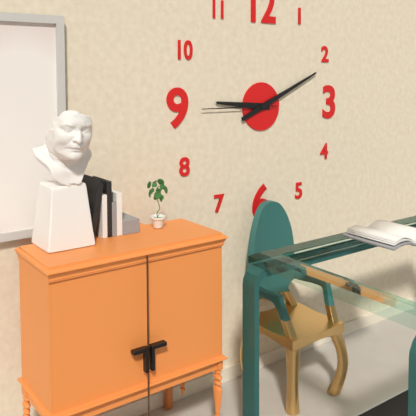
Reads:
9h11m45s
